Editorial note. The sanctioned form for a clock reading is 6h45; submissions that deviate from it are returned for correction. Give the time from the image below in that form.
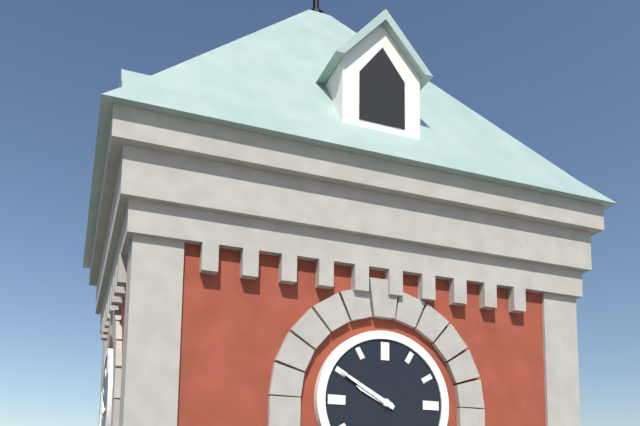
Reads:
9h50
